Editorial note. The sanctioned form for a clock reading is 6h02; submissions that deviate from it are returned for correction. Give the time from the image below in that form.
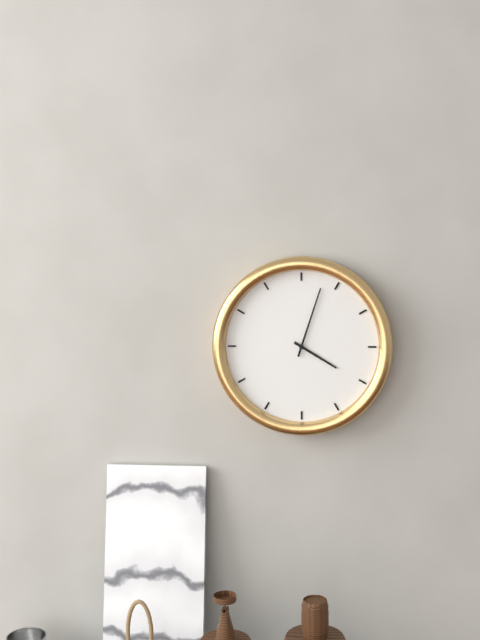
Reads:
4h03
